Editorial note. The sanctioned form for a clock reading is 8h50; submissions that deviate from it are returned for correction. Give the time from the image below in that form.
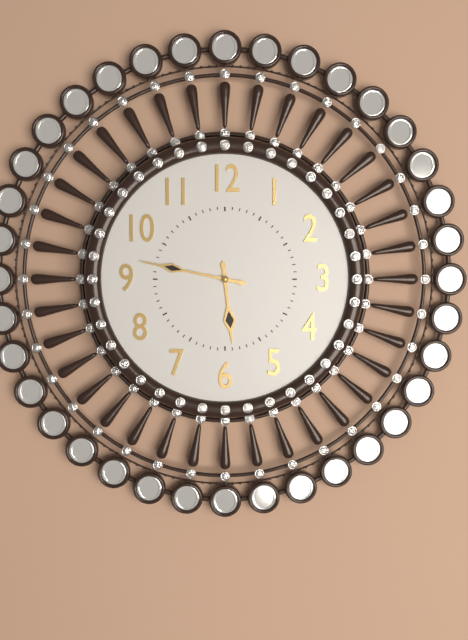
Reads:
5h47
